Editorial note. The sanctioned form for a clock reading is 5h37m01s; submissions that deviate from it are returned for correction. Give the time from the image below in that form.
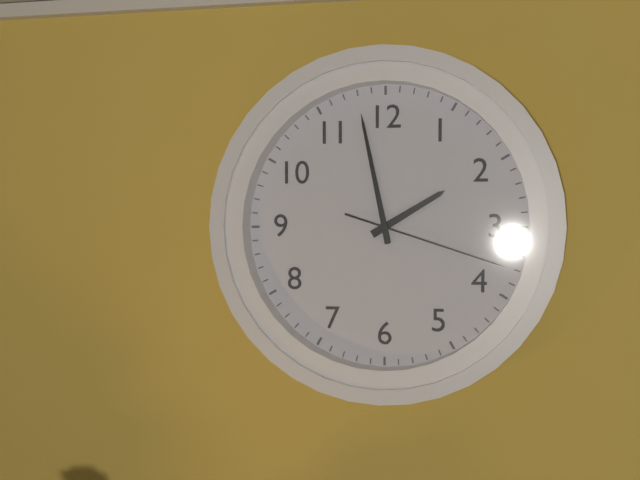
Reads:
1h58m18s
